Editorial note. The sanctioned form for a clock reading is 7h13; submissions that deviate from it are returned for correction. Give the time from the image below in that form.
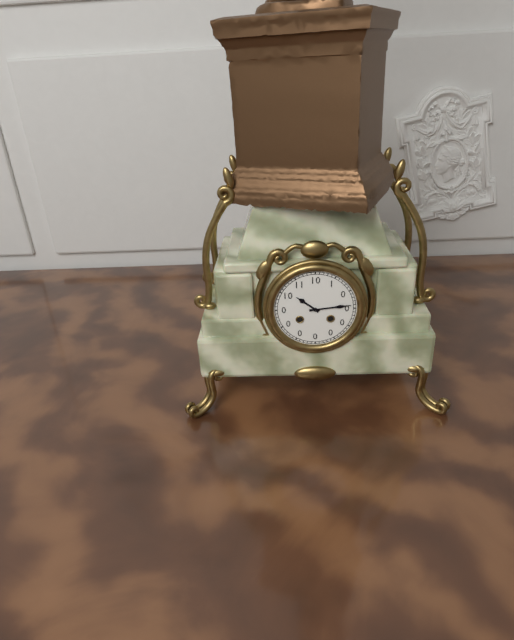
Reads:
10h14
